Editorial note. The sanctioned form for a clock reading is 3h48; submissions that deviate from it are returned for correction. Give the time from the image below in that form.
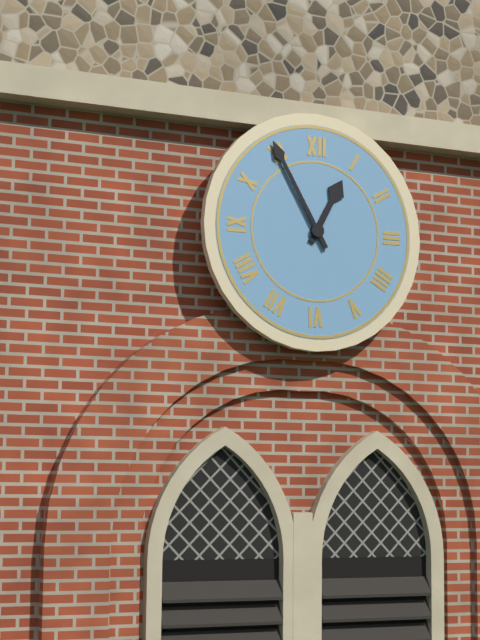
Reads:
12h55
